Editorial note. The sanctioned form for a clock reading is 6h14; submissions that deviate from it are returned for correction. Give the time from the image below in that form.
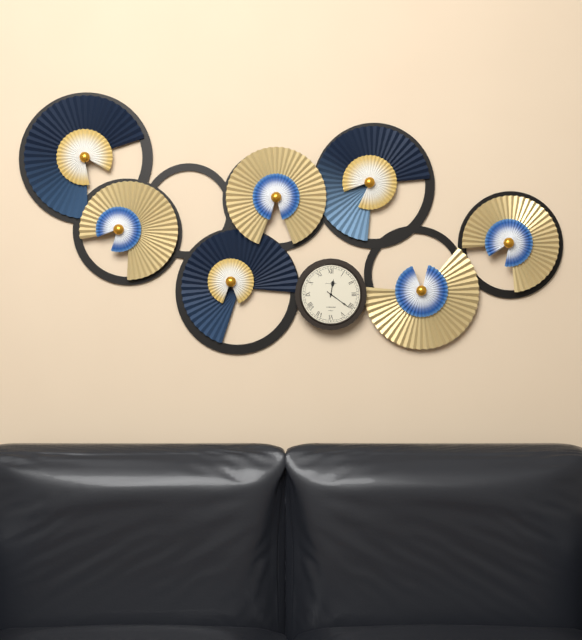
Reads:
12h21
